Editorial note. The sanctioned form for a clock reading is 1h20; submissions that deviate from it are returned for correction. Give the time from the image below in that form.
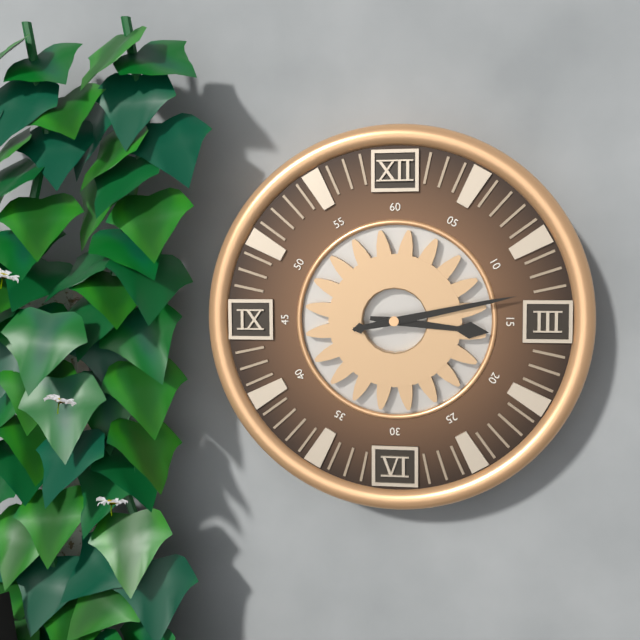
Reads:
3h13
